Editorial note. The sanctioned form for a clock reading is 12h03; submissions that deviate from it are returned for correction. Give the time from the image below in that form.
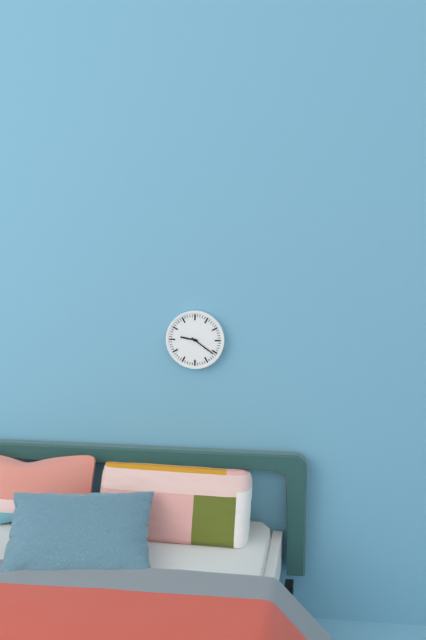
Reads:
9h21
